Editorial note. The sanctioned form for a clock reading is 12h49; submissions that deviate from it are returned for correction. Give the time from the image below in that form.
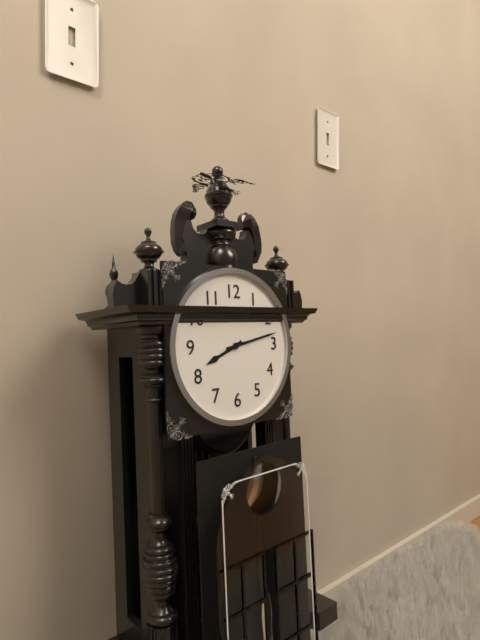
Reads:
8h13
